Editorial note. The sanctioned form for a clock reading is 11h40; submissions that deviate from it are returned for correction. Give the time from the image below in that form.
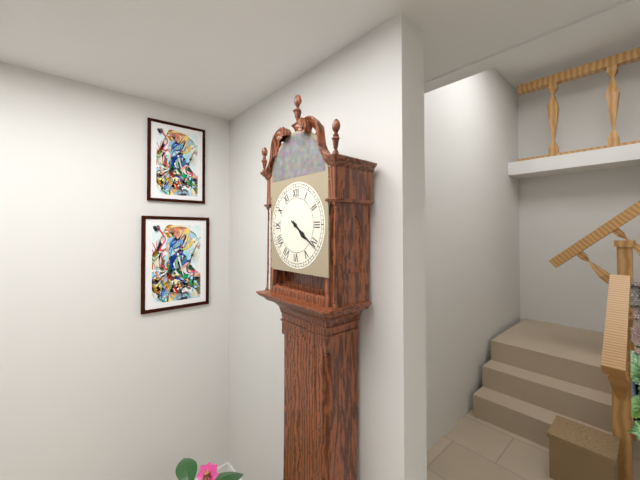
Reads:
4h21
